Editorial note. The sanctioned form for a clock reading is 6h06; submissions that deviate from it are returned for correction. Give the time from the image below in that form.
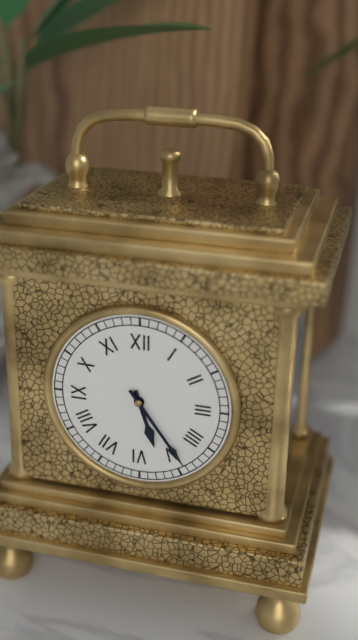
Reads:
5h24
